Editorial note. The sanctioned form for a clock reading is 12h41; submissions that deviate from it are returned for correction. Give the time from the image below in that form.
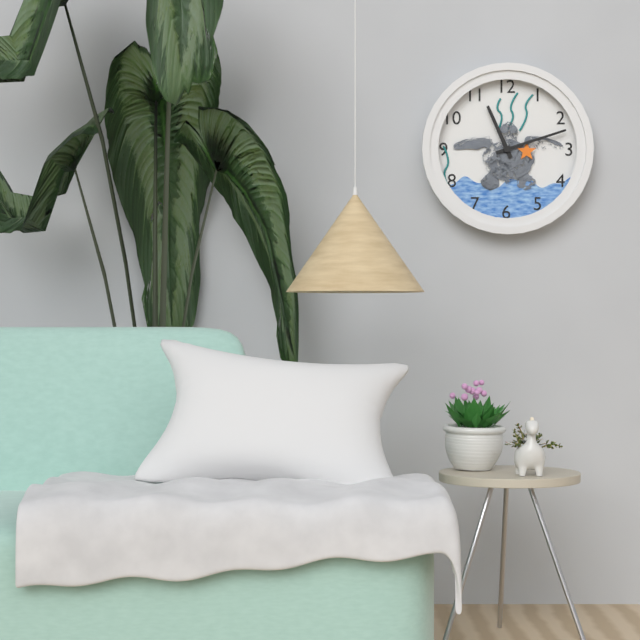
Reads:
11h12
